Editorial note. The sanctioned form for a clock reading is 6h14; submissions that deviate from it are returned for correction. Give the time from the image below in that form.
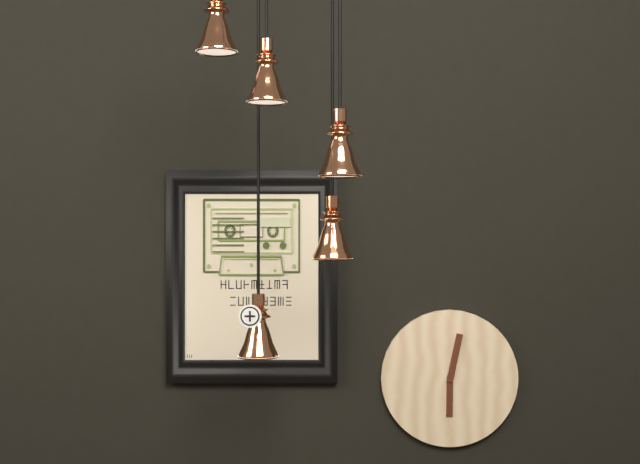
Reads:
6h02
